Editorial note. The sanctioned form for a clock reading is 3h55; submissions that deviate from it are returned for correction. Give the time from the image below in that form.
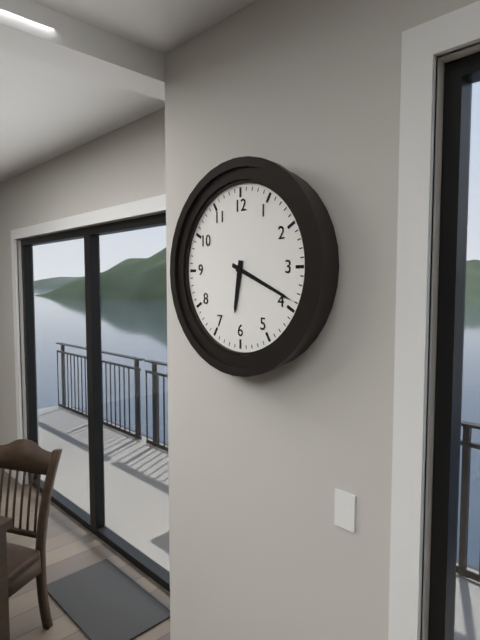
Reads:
6h19
